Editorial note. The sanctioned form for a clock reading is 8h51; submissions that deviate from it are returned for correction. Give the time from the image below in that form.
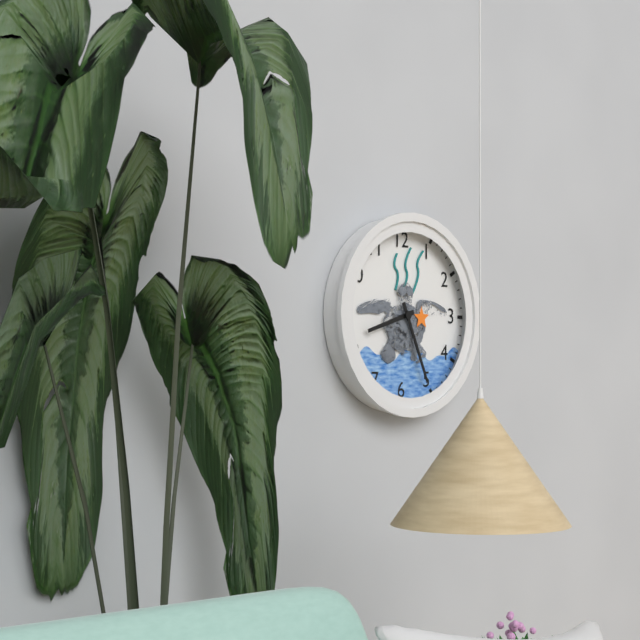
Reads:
8h26
